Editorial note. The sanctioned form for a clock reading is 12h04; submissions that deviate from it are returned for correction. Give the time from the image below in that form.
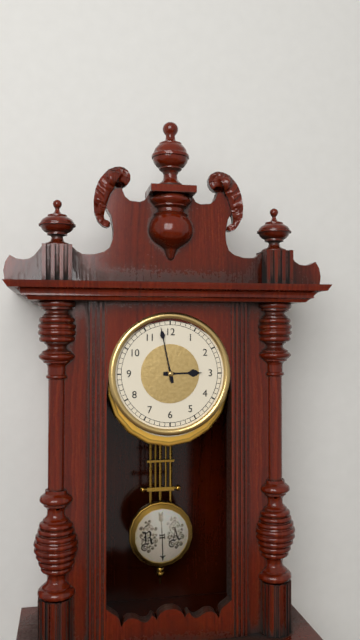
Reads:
2h58
